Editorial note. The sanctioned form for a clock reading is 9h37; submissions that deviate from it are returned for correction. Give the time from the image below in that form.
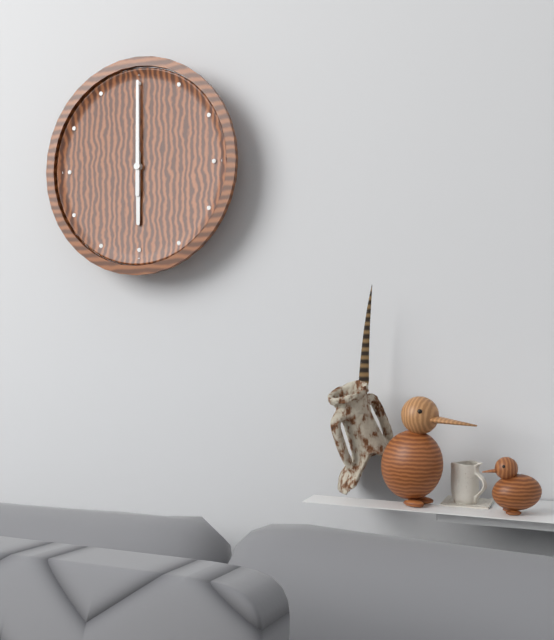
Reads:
6h00
